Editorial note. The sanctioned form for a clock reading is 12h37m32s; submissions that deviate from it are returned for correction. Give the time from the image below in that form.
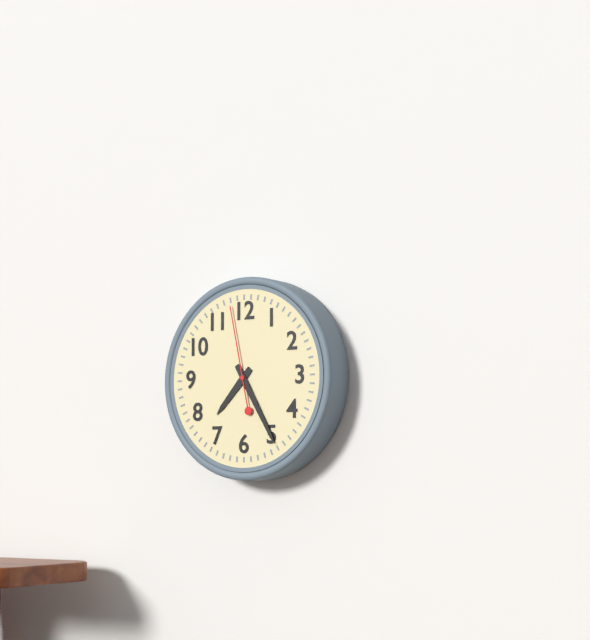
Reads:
7h25m58s
